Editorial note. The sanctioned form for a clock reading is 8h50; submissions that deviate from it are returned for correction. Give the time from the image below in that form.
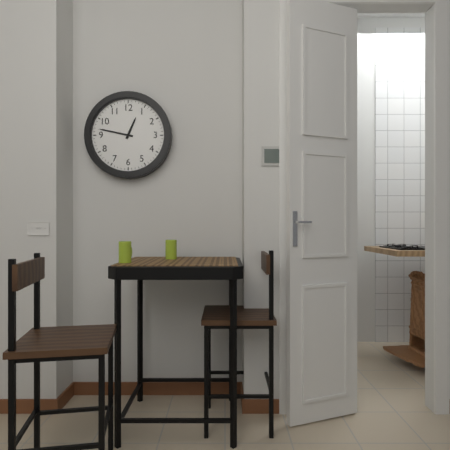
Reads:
12h47
